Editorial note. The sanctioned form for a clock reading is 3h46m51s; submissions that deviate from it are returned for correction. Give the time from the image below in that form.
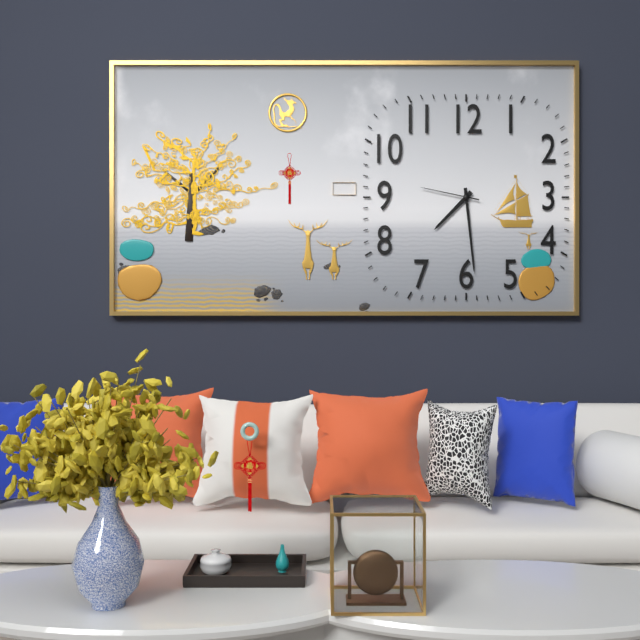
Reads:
7h29m47s
